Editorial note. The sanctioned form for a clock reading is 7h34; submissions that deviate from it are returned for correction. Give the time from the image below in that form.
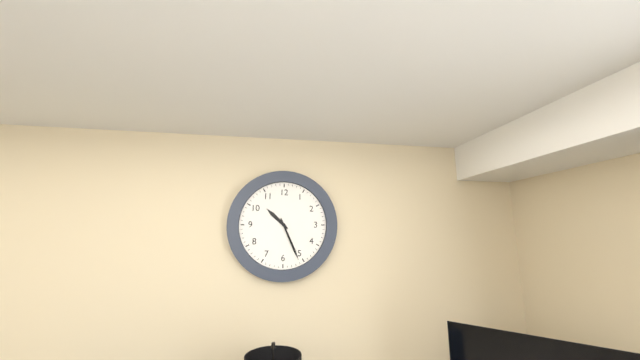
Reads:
10h26
